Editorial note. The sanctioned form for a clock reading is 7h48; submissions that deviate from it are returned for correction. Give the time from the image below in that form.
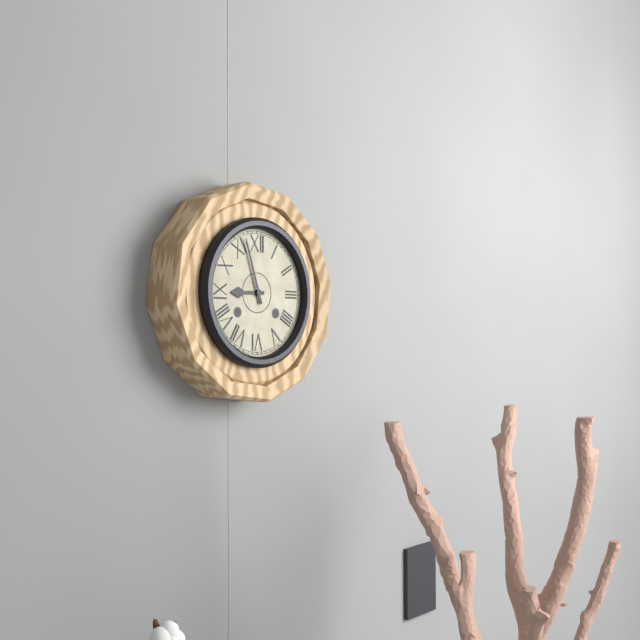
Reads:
8h57
